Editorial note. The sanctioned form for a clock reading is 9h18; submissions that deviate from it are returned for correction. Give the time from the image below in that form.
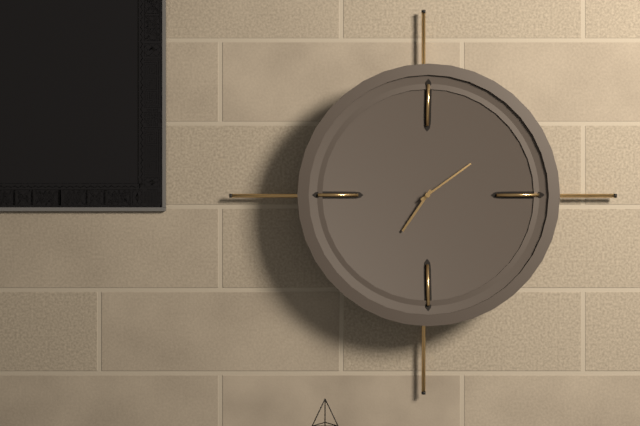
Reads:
7h09
